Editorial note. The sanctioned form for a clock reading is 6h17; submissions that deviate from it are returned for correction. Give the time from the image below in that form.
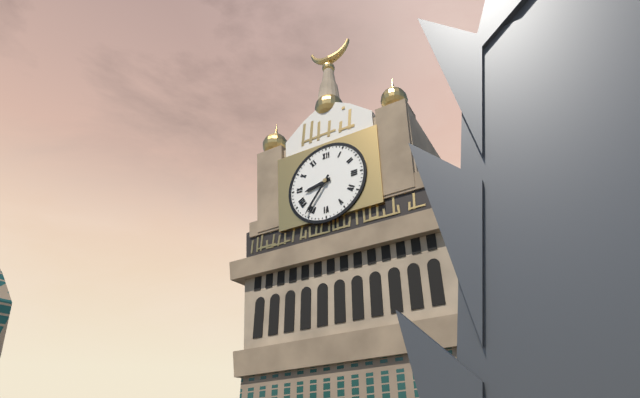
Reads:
8h36
